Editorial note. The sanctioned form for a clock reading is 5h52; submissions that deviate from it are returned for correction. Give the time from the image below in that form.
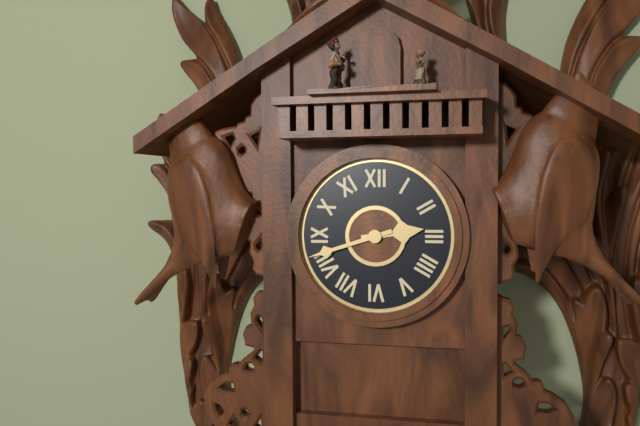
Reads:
2h42
